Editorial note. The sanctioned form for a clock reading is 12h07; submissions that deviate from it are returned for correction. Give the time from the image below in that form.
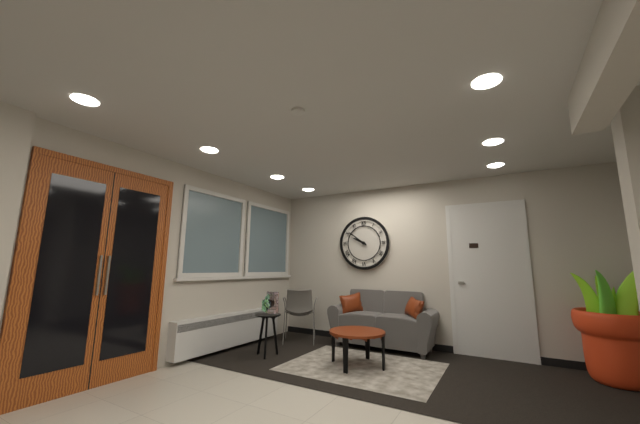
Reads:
9h51
